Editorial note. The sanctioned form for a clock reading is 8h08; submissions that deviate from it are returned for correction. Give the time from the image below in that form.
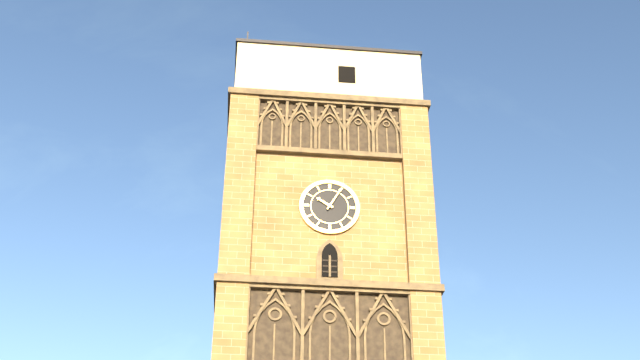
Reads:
10h05
